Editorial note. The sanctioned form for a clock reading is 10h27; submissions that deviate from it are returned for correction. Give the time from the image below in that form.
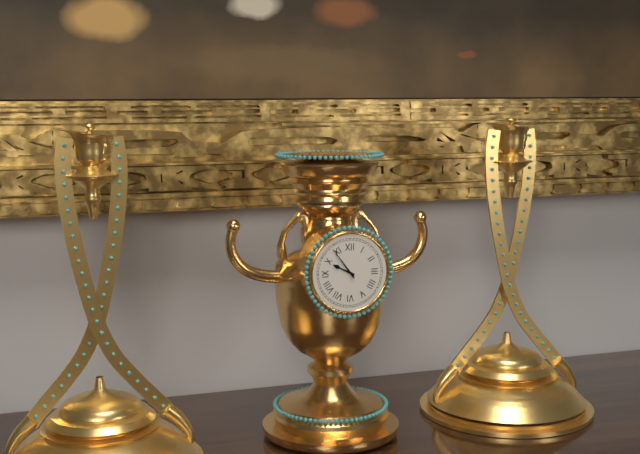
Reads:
9h54
